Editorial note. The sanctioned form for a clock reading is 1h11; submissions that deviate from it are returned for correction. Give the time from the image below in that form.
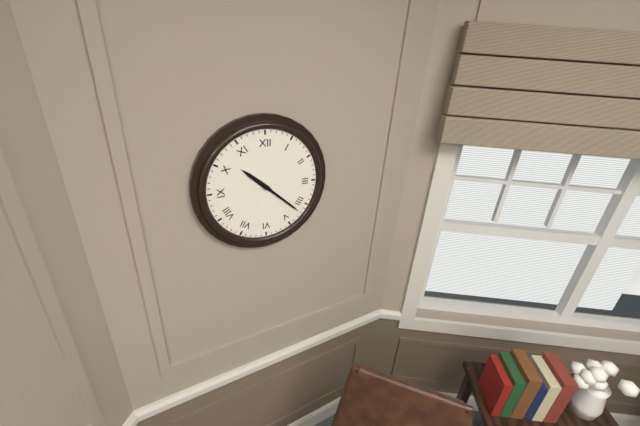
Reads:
10h22
